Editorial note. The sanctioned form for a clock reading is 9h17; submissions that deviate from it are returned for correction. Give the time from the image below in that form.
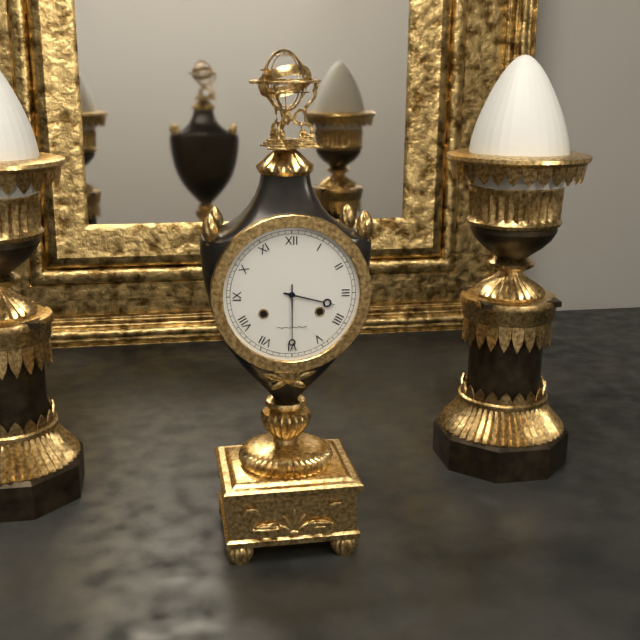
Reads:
3h30
